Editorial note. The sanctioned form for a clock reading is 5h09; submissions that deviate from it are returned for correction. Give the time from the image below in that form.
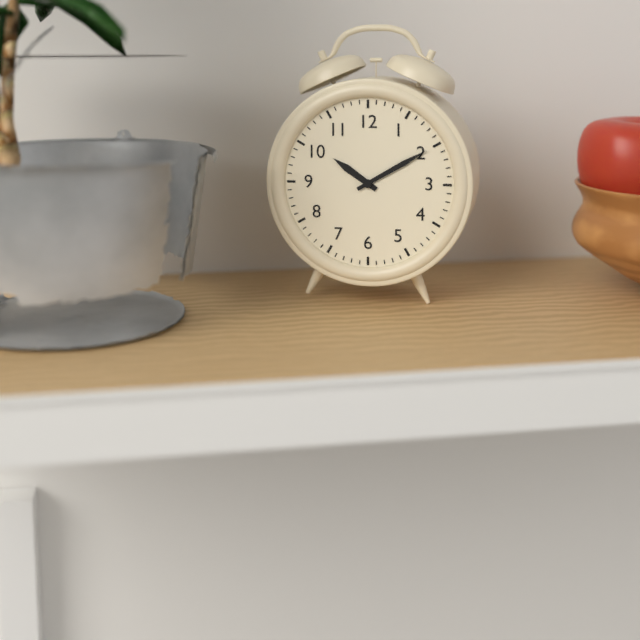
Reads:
10h10
